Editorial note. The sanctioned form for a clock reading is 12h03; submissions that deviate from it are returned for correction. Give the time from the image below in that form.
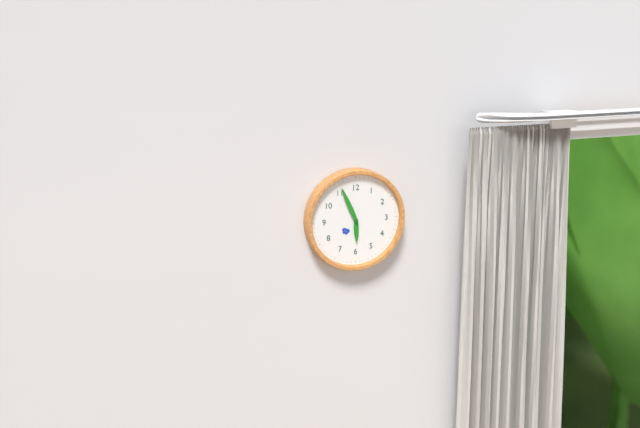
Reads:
5h56
